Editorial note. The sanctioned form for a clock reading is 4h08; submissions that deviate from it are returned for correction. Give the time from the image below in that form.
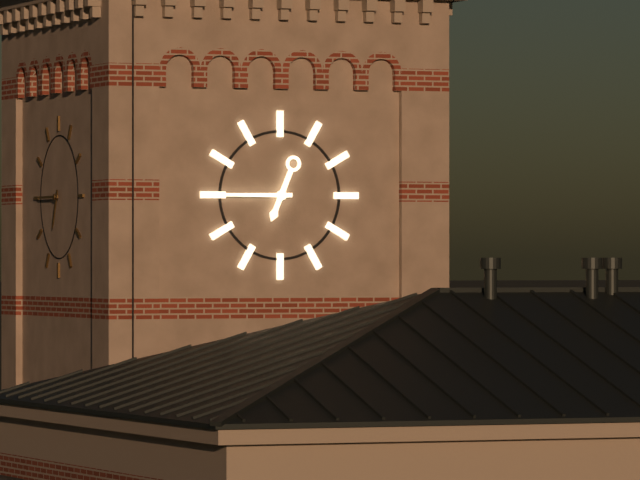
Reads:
6h45
